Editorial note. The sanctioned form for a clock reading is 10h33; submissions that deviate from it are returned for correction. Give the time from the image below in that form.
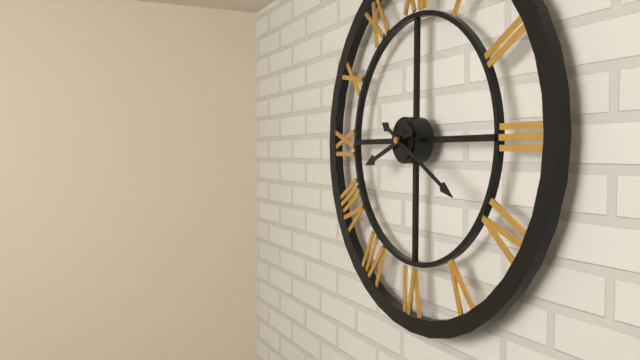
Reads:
8h20
